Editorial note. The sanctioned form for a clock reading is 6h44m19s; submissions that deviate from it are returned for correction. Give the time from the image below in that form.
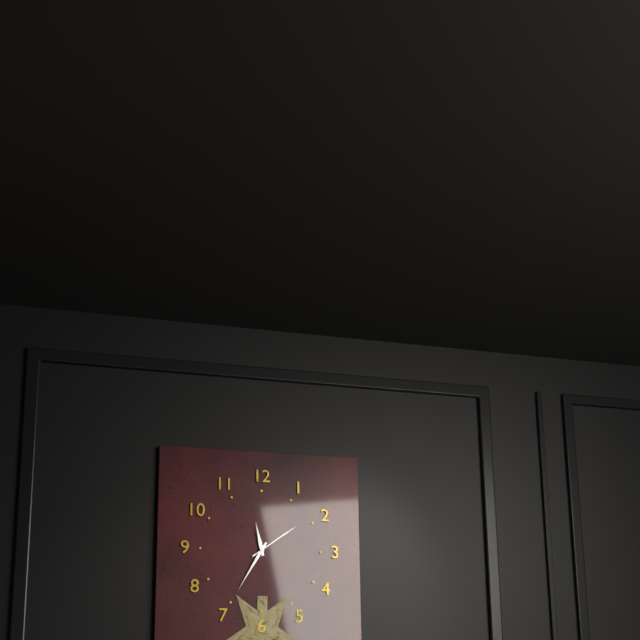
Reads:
11h35m09s
